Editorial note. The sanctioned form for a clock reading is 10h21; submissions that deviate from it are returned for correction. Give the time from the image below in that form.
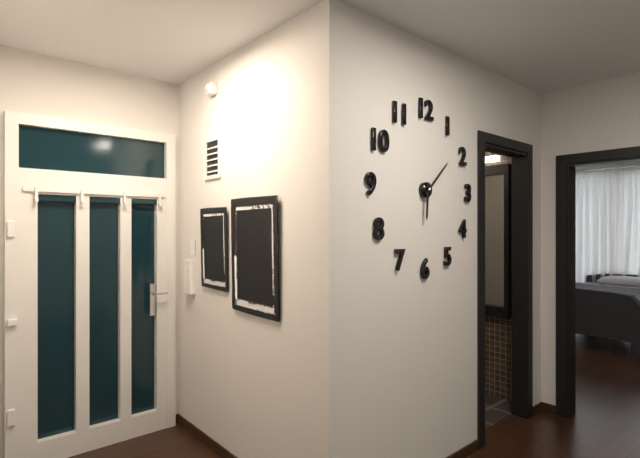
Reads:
6h08
